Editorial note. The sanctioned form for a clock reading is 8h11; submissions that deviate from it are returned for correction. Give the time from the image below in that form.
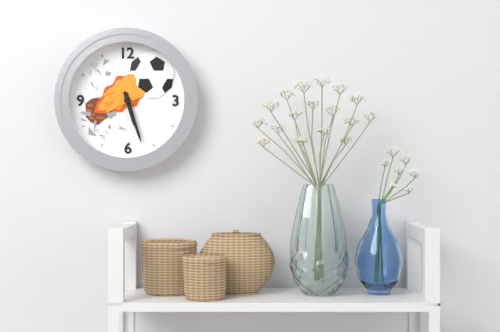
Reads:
5h27
